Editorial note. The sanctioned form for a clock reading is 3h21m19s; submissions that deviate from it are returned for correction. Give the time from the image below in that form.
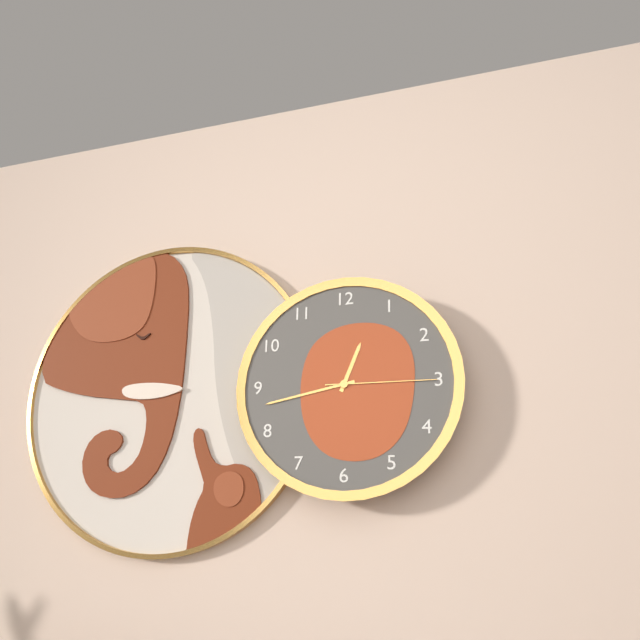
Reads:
12h43m15s
